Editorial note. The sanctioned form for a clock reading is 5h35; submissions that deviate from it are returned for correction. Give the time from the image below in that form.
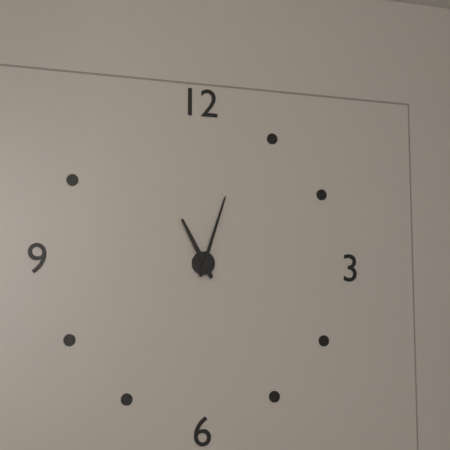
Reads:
11h03
